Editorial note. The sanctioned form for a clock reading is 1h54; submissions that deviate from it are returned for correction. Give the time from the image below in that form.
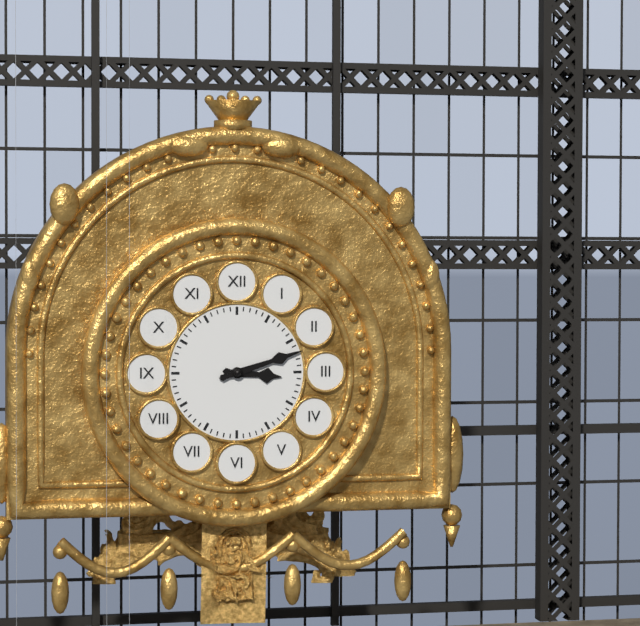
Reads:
3h12
